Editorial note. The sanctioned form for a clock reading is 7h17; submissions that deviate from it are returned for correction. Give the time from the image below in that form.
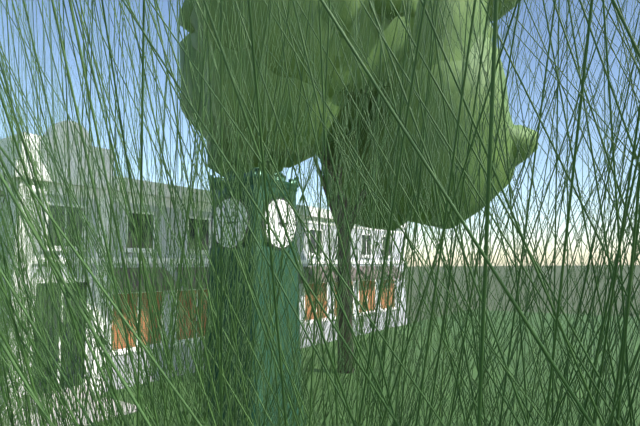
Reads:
2h56
